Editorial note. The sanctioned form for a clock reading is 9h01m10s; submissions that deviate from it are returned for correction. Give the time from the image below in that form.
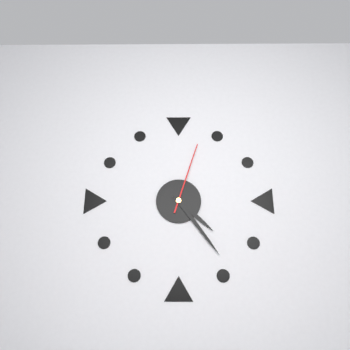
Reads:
4h24m03s
